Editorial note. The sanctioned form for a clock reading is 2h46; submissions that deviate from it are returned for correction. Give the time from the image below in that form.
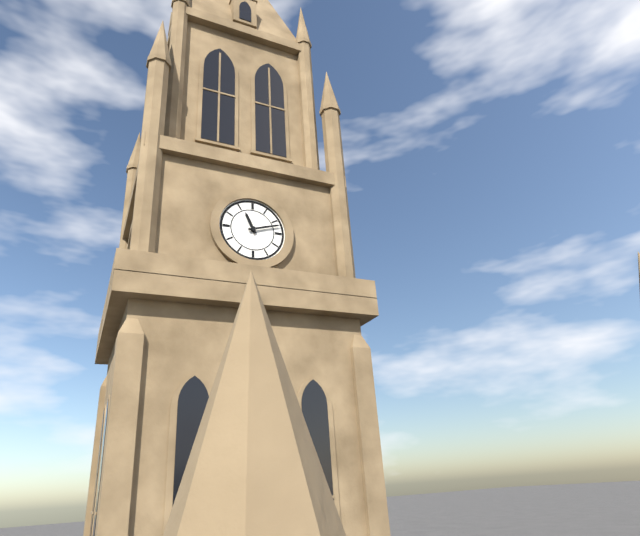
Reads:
11h12
